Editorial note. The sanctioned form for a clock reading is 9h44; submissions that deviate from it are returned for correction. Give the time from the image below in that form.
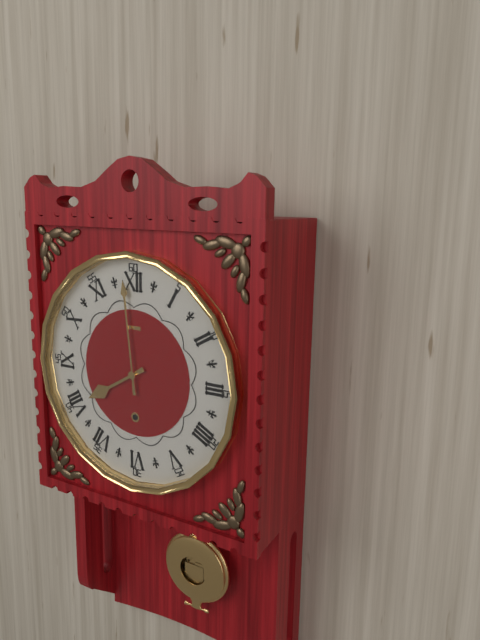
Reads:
7h59
